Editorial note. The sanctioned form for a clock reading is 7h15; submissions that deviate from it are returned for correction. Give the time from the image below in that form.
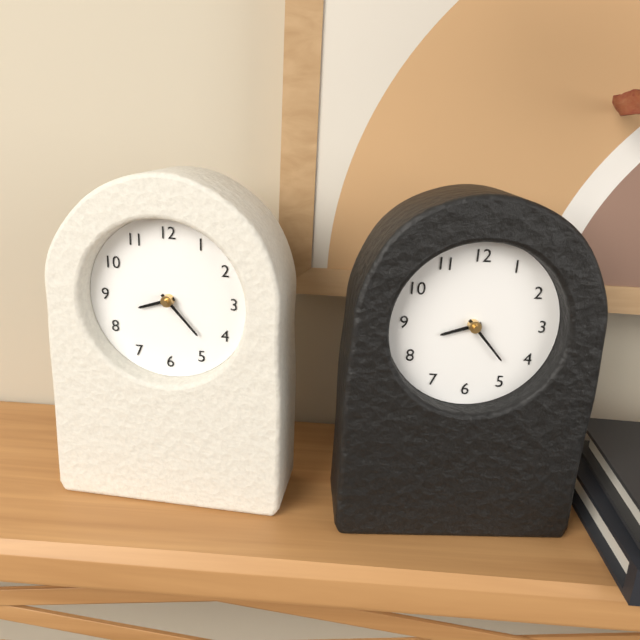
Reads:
8h23
